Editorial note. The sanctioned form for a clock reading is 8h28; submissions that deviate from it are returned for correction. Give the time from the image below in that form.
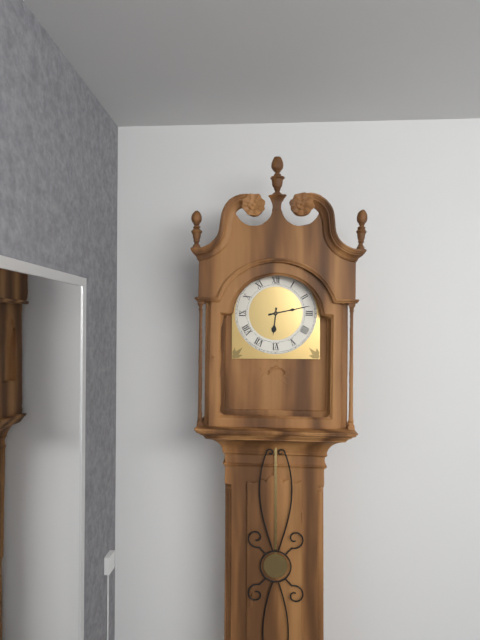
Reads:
6h13
